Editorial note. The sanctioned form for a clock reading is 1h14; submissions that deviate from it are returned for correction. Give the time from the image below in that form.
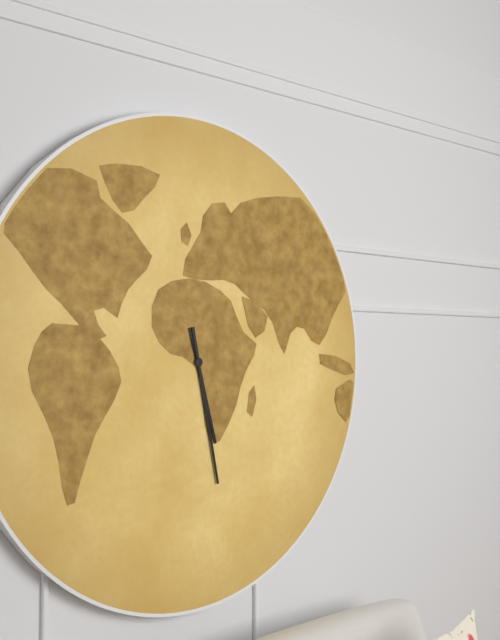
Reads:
5h28
